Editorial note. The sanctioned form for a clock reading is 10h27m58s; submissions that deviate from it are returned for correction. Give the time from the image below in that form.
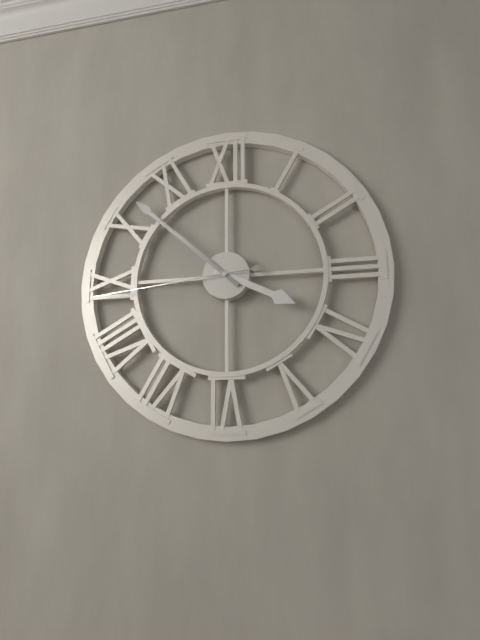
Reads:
3h52m44s
